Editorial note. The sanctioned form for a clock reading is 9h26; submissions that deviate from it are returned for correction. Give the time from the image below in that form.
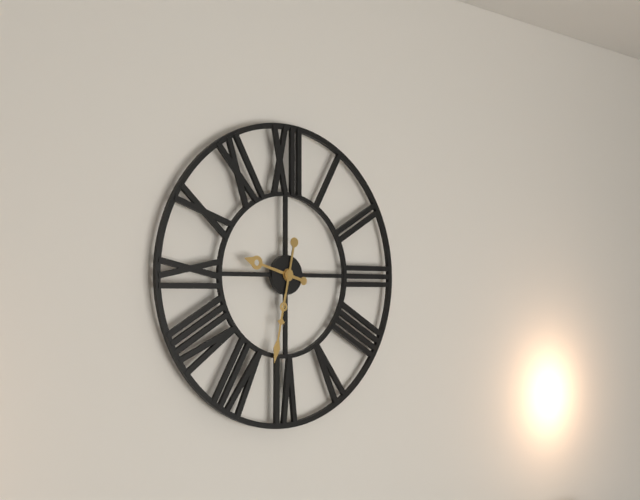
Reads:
9h32
